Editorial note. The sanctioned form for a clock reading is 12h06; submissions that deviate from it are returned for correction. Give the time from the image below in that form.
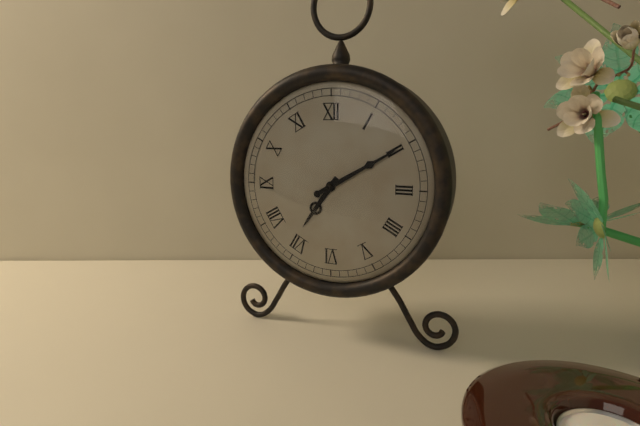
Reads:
7h10
